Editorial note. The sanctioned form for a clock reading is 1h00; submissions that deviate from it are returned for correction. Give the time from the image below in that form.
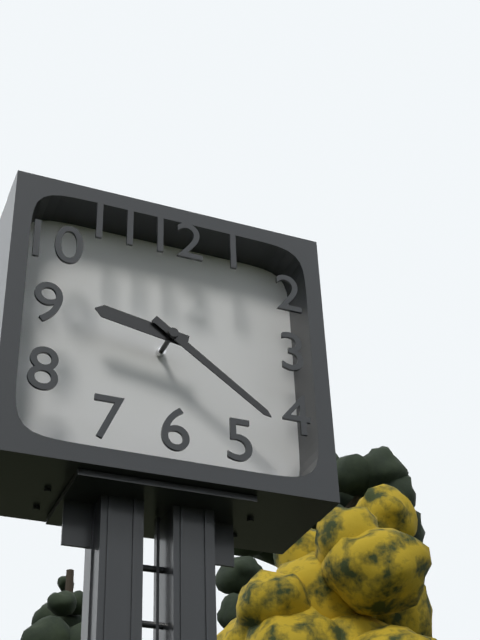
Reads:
9h21
